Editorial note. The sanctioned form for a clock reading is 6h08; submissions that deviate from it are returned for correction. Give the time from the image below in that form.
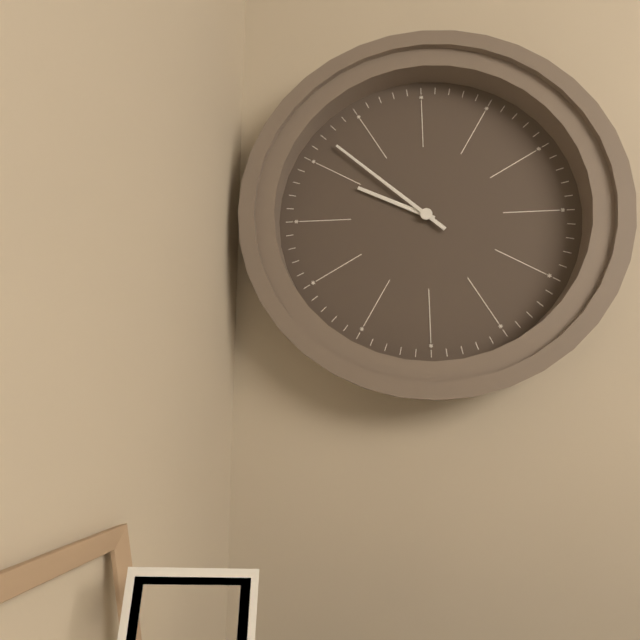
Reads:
9h52
